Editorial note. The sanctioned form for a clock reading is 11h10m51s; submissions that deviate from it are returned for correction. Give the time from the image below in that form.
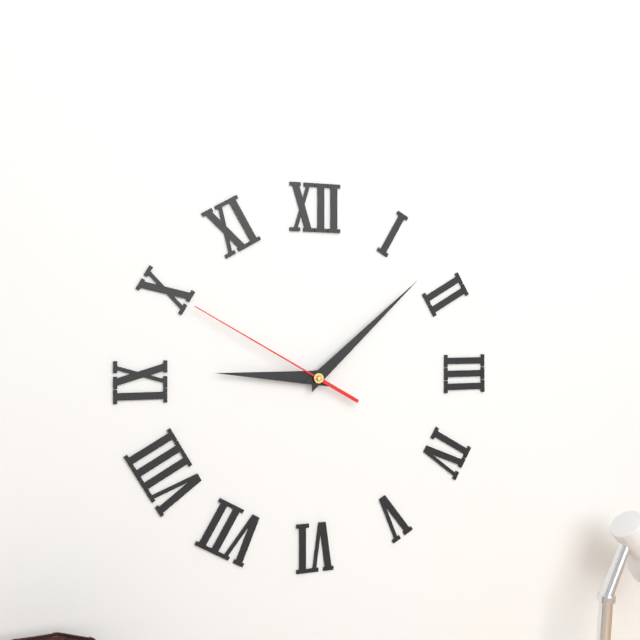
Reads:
9h08m50s
